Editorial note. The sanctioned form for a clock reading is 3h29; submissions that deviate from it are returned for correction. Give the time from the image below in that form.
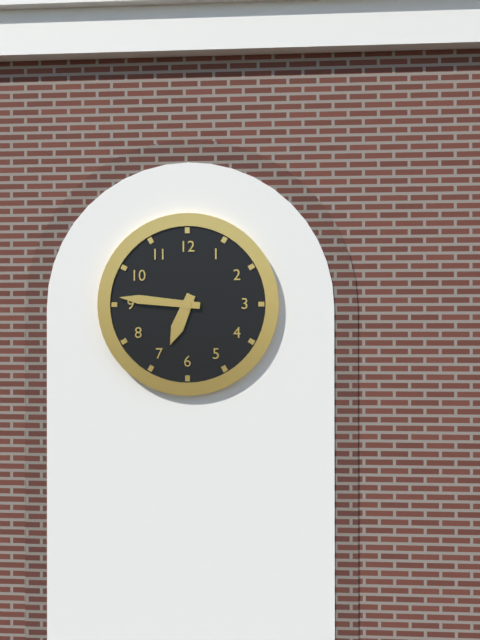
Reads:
6h46
